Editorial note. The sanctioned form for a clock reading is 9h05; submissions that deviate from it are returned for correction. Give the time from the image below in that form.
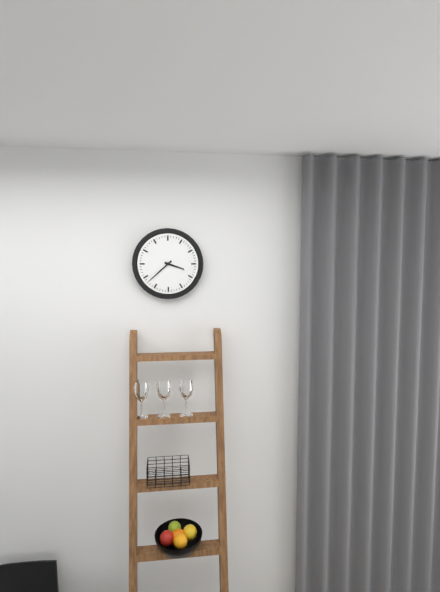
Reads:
3h38
